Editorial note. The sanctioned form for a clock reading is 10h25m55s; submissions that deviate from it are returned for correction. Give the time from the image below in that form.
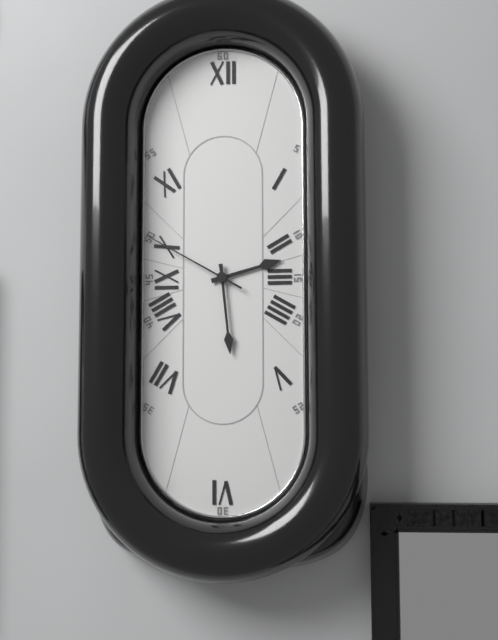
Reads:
2h29m50s
